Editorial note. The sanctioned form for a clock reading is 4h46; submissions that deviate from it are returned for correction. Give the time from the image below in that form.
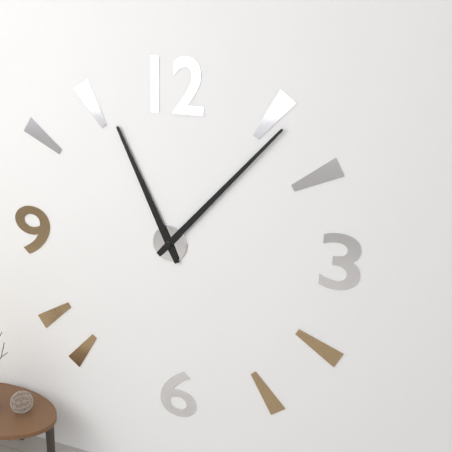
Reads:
11h07
